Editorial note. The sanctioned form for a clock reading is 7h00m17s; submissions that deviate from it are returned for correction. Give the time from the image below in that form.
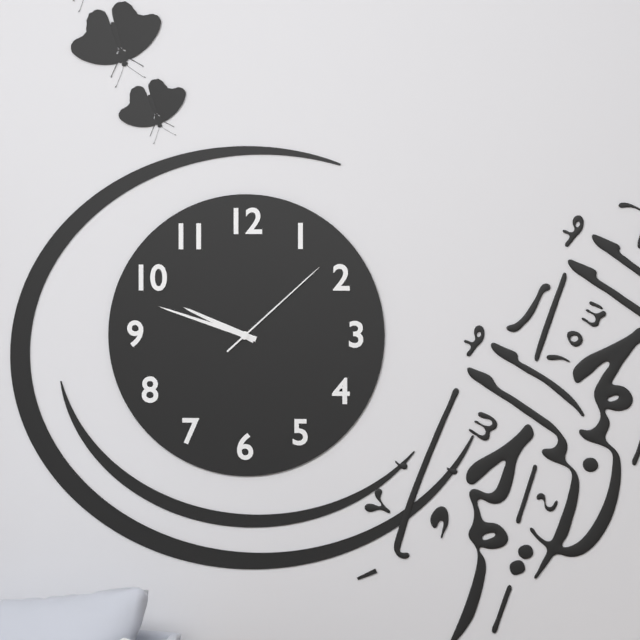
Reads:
9h48m08s
